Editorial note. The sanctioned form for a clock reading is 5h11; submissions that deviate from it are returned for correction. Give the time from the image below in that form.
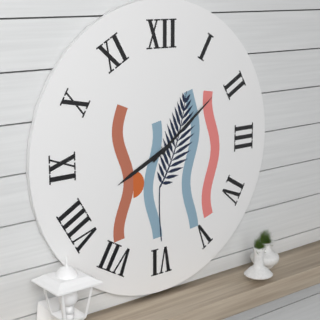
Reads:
8h09
